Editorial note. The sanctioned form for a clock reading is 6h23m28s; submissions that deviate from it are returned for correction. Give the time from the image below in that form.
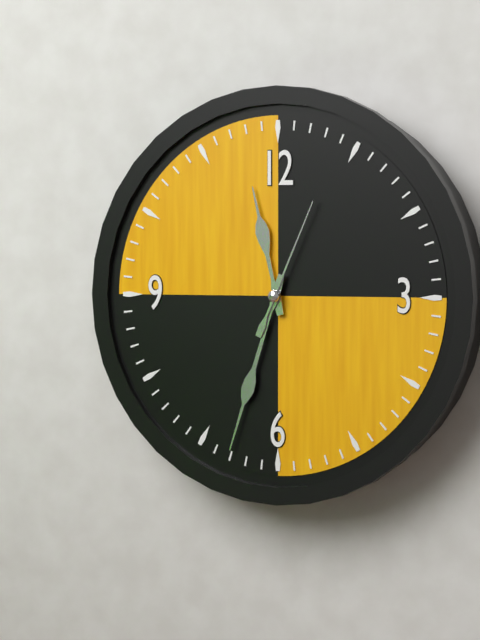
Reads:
11h33m04s
